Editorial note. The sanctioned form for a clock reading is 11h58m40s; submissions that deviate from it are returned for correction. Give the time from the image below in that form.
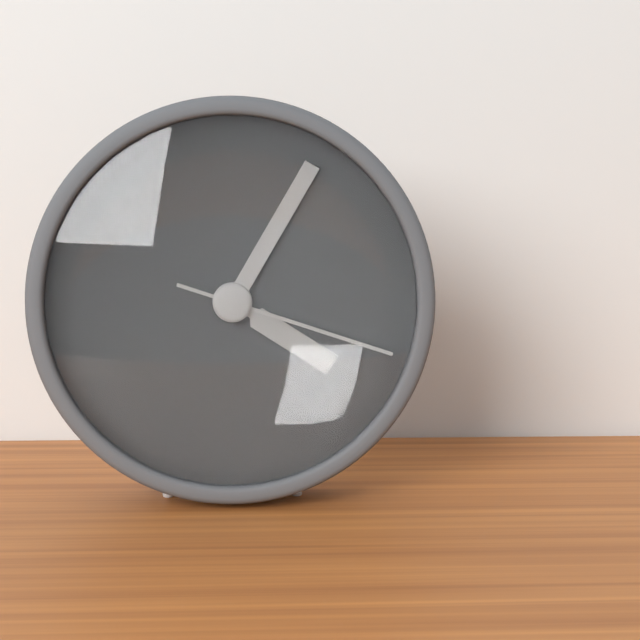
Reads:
4h05m18s
